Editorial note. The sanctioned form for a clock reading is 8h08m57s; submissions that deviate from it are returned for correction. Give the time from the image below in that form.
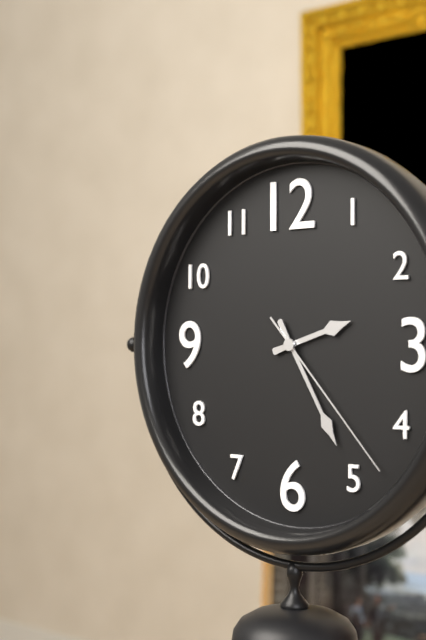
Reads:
2h25m23s
